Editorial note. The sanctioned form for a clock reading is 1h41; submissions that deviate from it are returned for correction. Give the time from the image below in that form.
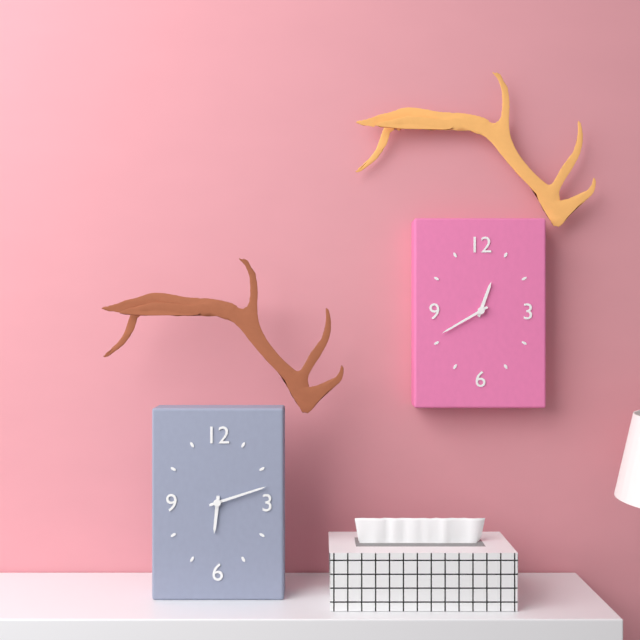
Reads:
6h12
